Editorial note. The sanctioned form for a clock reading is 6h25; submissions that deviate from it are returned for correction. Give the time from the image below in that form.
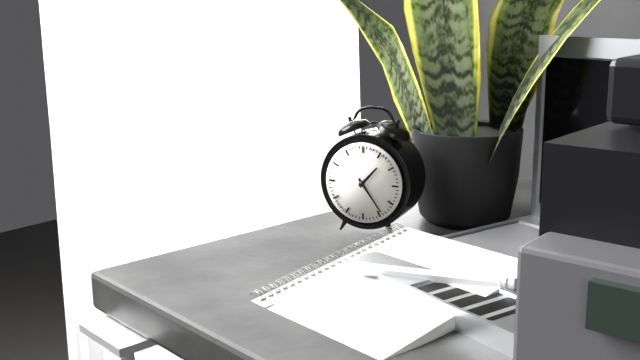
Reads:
1h24
